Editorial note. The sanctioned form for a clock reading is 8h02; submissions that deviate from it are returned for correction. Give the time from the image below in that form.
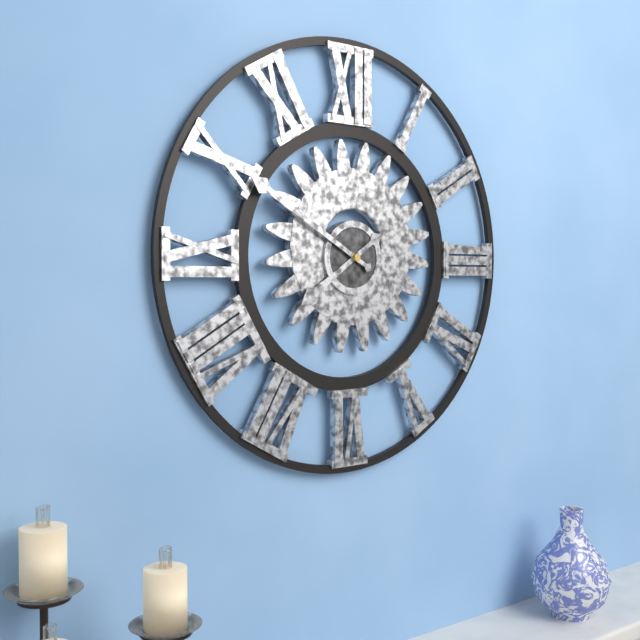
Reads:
7h50
